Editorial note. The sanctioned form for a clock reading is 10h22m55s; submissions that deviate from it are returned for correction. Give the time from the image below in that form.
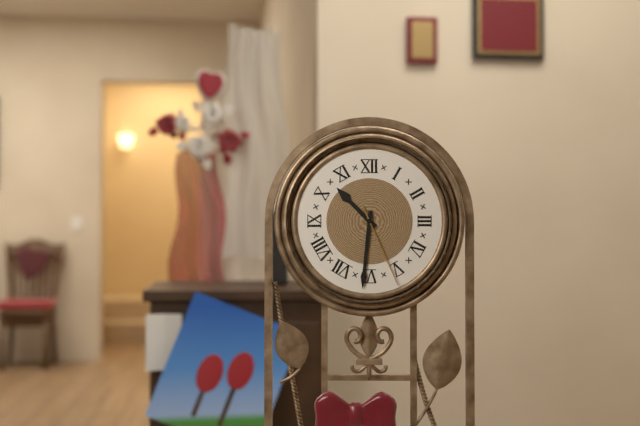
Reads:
10h31m26s
